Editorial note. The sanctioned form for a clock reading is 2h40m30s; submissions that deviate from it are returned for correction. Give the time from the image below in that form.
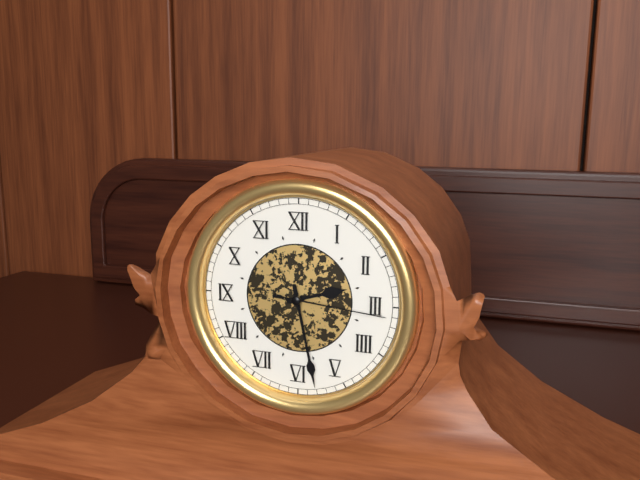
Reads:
2h28m16s
